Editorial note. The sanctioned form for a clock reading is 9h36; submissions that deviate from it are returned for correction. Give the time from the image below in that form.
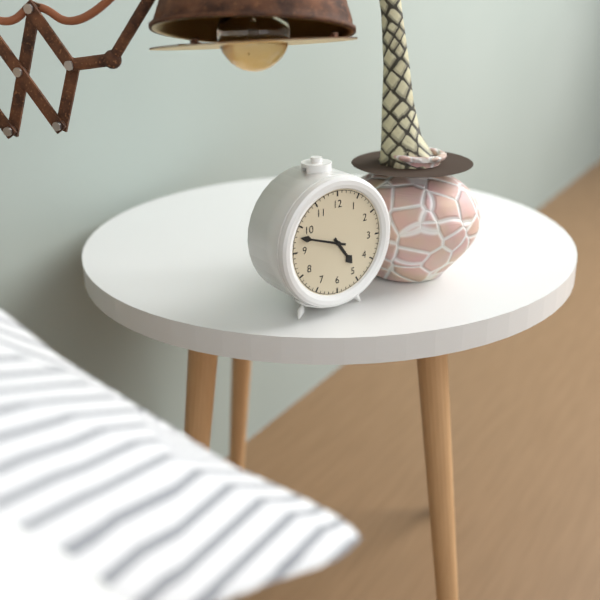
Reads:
4h48
